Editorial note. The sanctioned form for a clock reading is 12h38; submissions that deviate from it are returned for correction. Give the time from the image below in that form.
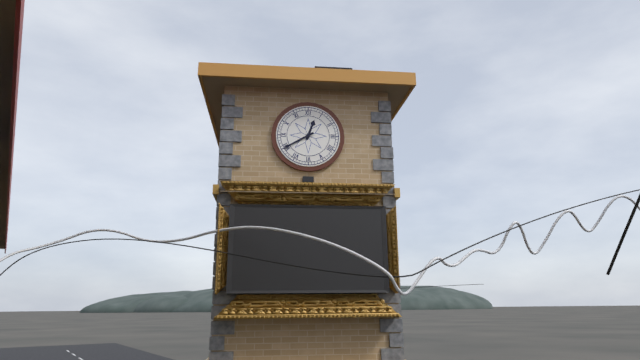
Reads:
12h40
